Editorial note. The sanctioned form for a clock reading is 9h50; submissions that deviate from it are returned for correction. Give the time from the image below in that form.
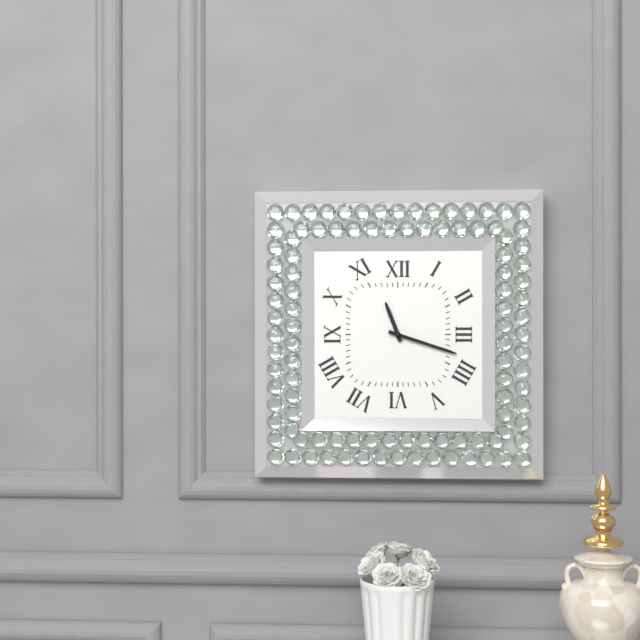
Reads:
11h18
